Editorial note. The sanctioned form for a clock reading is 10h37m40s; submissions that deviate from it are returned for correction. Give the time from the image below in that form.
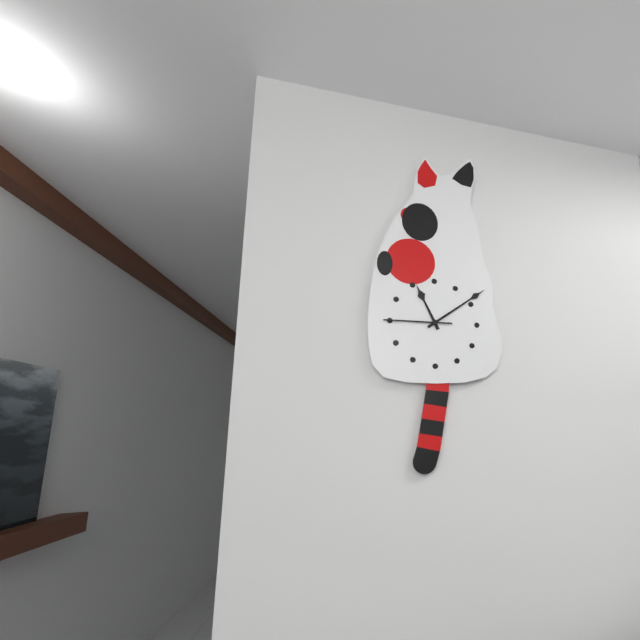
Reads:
11h09m45s
